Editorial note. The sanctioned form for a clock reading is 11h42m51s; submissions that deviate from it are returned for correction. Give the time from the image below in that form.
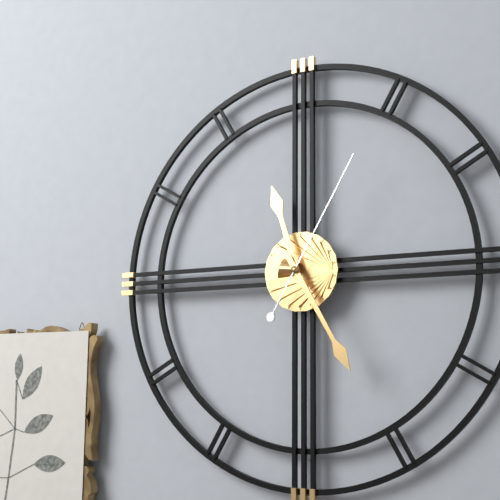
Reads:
11h25m05s
